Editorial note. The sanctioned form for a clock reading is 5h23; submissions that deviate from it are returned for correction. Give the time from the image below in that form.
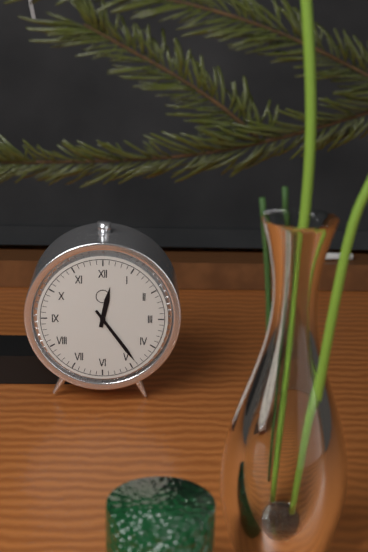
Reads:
12h24
